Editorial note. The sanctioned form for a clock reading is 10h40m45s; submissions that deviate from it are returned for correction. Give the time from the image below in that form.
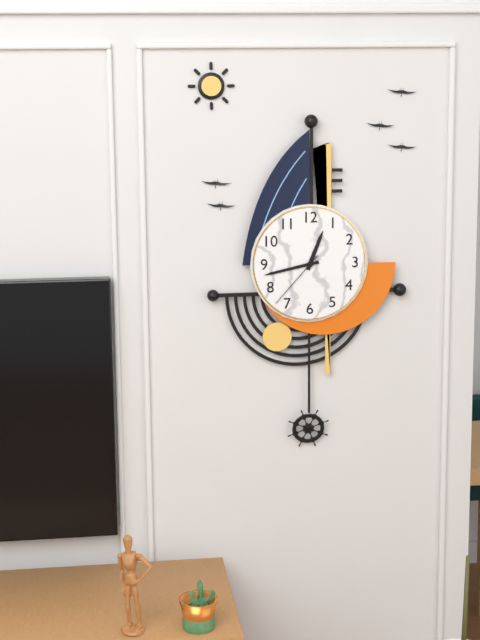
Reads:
12h43m37s
